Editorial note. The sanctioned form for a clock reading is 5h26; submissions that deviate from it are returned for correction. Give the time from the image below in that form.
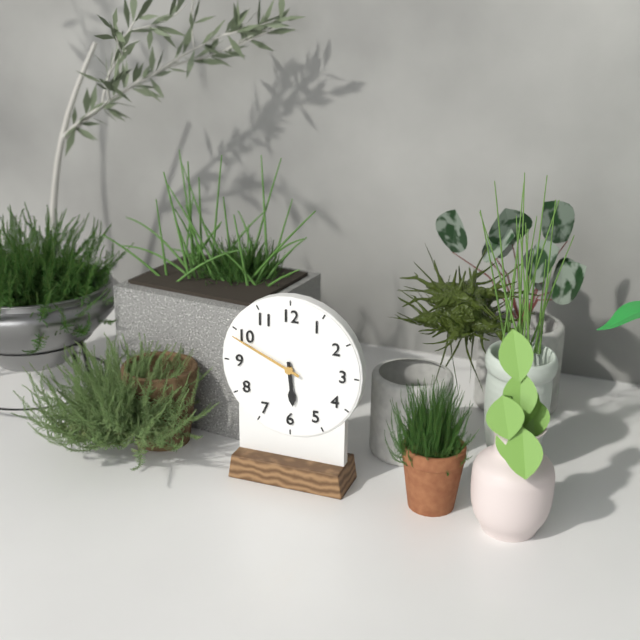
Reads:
5h49
